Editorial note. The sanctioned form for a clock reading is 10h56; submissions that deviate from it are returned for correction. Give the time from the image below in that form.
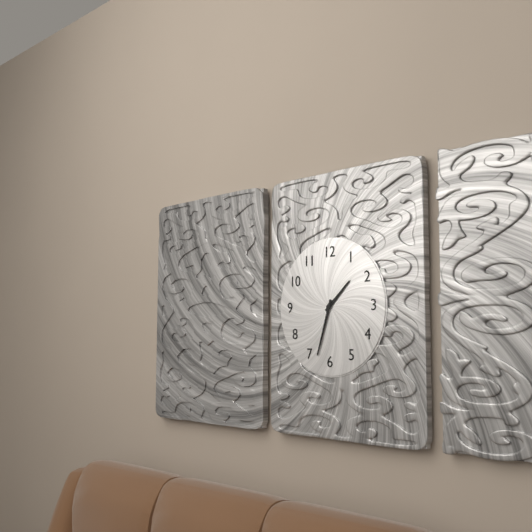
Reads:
1h33
